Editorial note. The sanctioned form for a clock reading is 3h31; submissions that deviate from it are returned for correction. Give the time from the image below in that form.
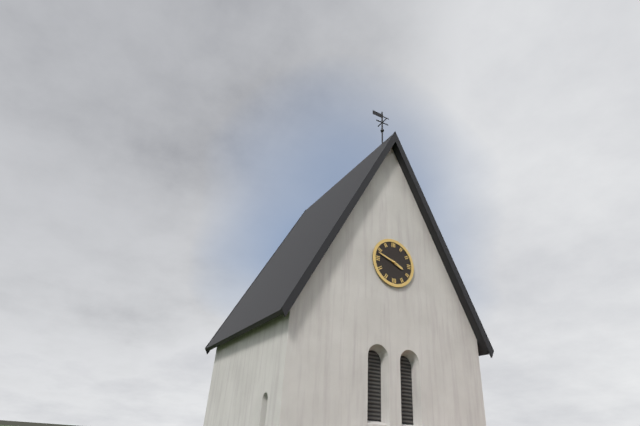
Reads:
3h48
